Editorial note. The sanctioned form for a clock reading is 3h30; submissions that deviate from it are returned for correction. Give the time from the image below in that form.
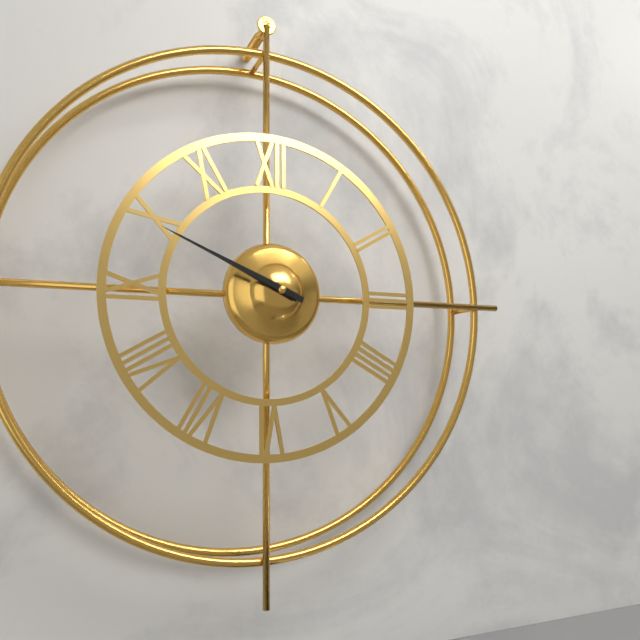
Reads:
9h49
